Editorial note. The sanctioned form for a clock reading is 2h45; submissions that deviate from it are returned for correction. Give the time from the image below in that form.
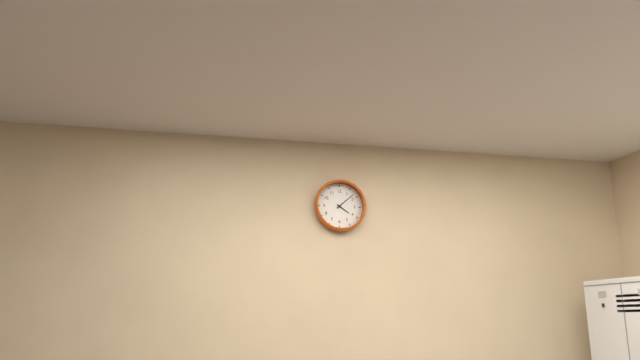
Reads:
4h08
